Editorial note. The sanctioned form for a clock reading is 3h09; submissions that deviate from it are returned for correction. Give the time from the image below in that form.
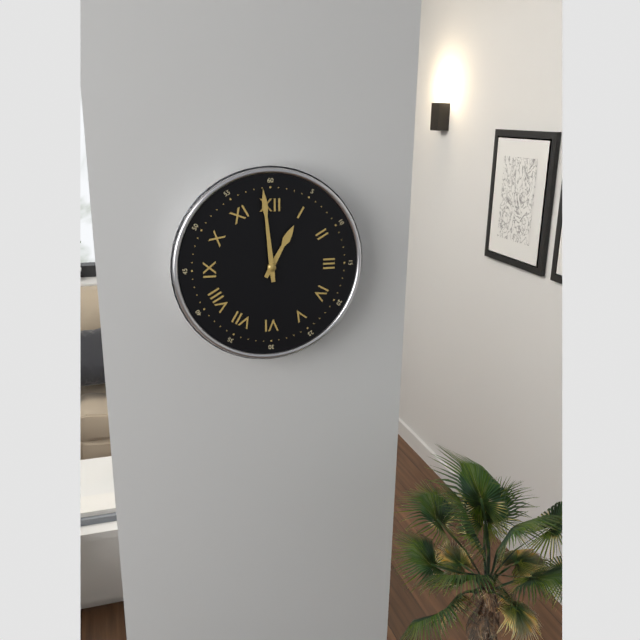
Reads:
12h59
